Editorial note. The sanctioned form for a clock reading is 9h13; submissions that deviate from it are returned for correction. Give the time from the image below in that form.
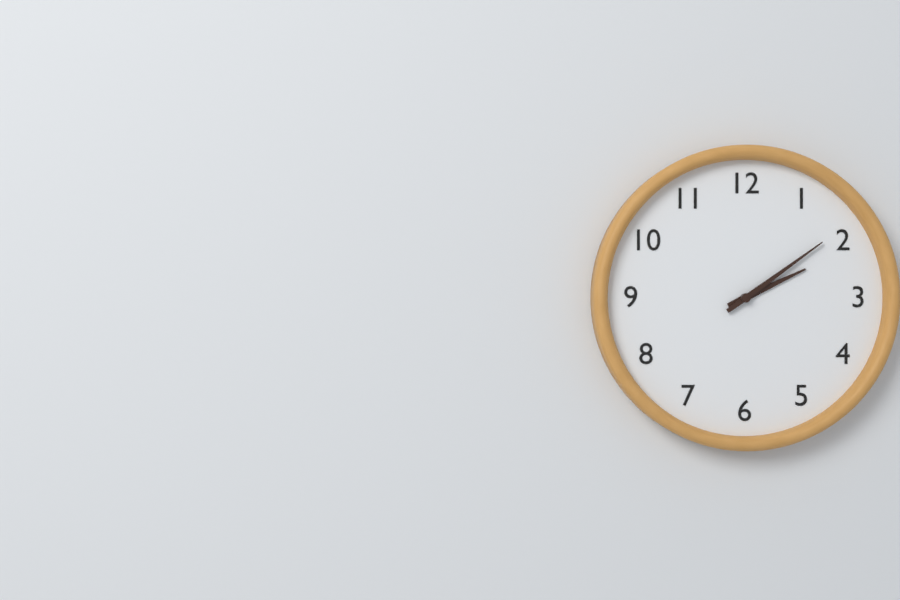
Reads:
2h09
